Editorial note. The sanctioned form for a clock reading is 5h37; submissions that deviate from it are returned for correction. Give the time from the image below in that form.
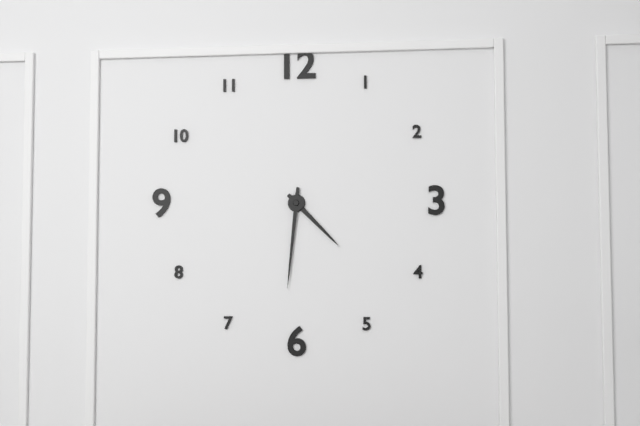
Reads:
4h31
